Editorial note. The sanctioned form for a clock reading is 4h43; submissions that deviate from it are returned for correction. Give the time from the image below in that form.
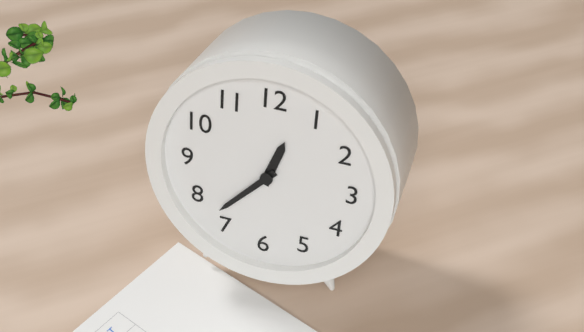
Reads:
12h37
